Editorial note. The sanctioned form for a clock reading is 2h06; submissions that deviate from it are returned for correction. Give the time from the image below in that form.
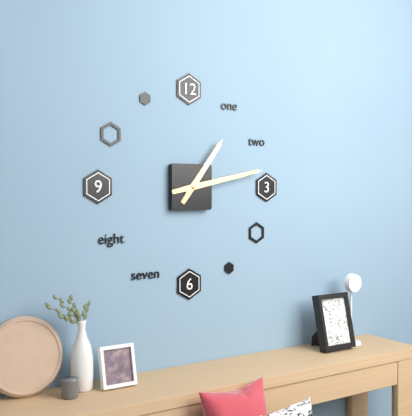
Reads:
1h13
